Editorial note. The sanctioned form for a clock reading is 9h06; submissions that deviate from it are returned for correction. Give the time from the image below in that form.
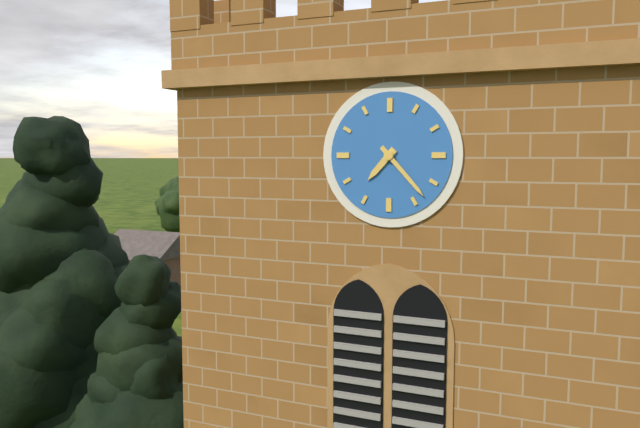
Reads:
7h23
